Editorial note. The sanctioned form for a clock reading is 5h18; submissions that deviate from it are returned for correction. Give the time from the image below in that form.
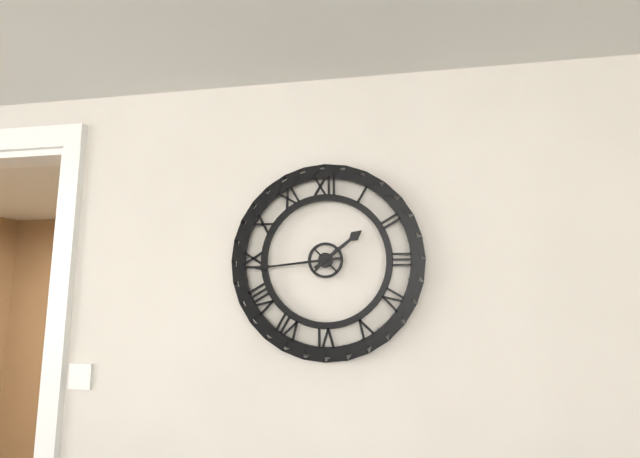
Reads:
1h44
